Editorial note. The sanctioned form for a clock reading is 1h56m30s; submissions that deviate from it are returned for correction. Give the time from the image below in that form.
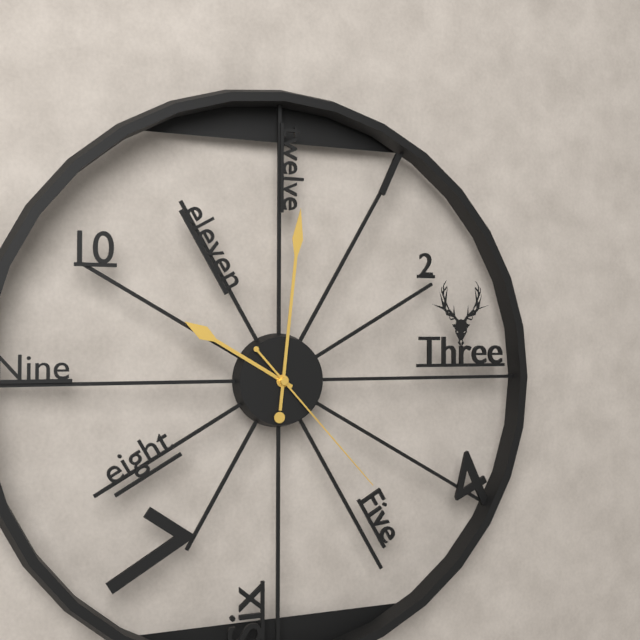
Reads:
10h01m23s
